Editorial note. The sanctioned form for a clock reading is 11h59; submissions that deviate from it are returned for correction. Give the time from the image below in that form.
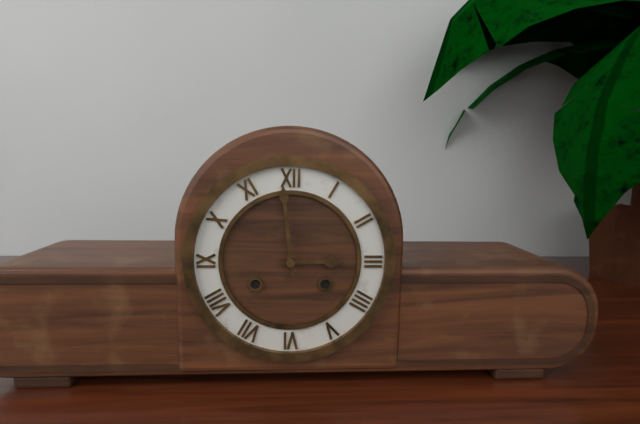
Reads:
2h59
